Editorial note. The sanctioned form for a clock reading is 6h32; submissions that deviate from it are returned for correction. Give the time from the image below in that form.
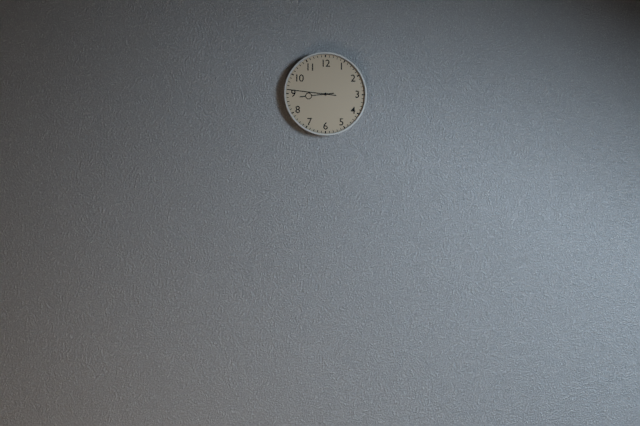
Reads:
8h46
